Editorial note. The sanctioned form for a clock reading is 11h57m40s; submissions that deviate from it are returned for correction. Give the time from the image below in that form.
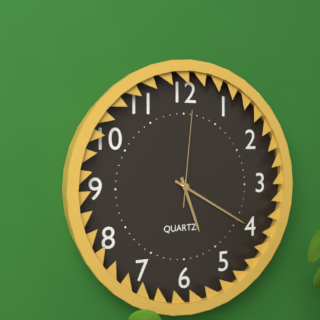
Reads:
5h20m01s
